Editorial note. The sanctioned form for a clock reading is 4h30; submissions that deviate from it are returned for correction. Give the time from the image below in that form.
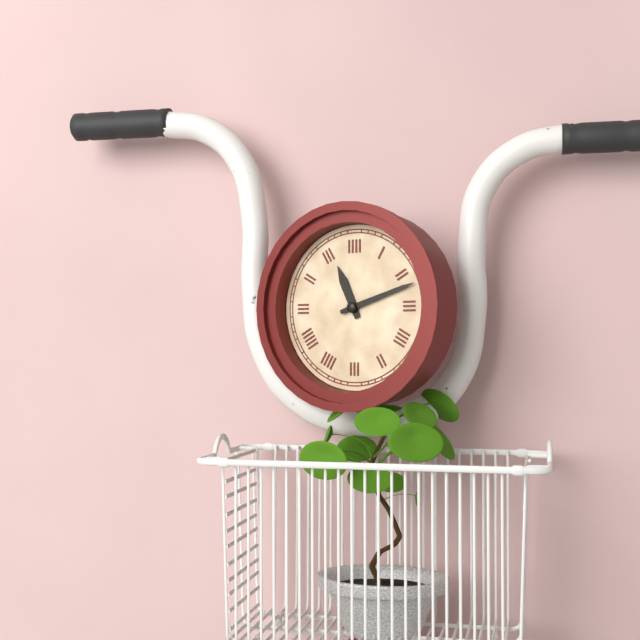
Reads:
11h12
